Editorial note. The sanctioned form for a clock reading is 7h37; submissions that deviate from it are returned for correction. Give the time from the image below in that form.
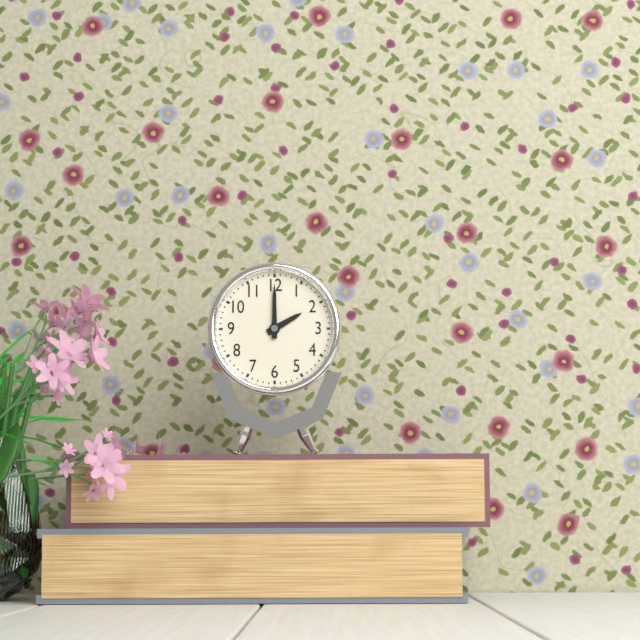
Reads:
2h00
